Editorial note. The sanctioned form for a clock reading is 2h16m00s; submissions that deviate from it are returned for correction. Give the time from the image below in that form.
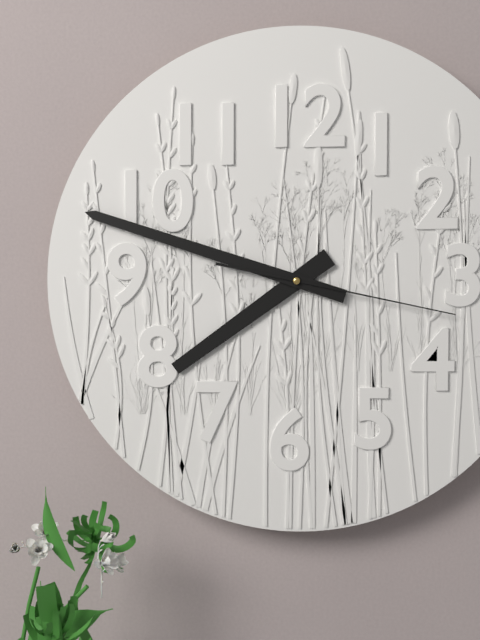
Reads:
7h48m17s
